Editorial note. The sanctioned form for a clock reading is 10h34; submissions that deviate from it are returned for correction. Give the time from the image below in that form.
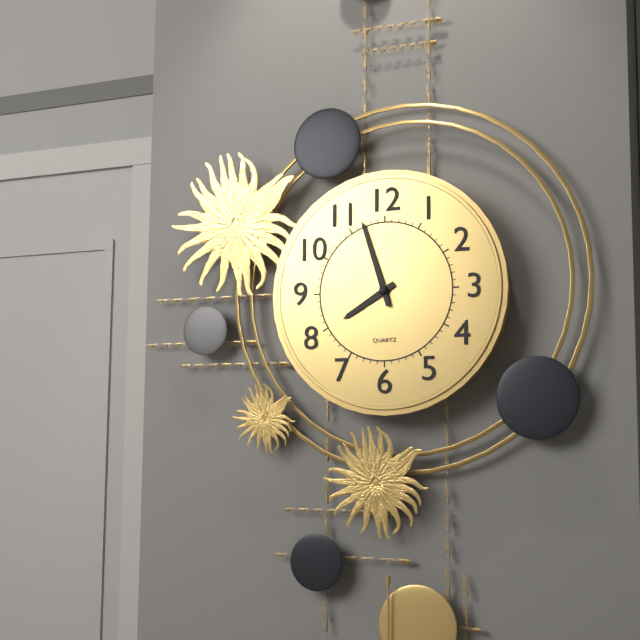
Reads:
7h57
